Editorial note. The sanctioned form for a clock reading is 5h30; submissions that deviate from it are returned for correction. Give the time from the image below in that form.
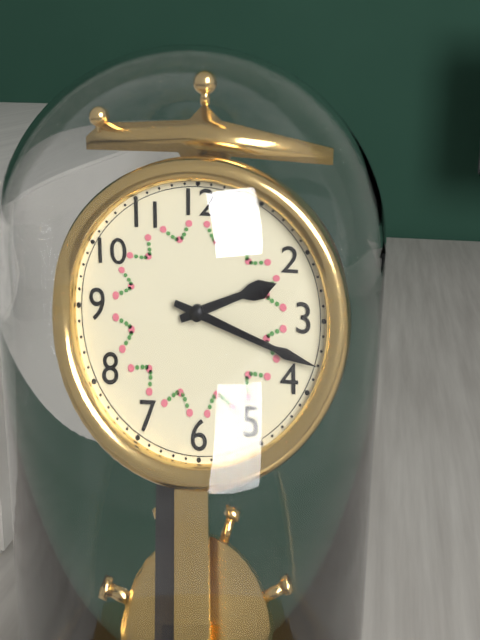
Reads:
2h18
